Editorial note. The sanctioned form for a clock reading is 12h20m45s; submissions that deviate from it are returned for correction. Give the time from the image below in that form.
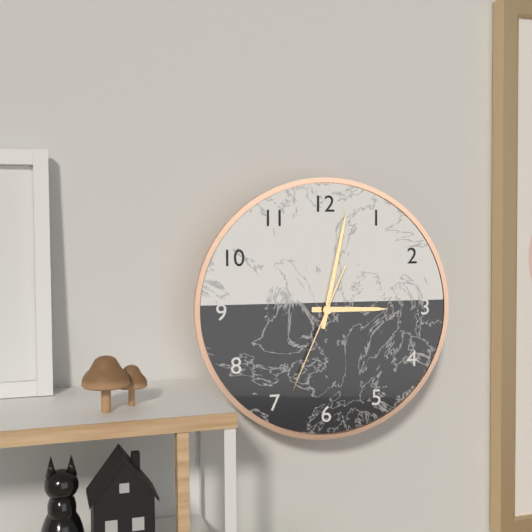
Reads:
3h02m34s
